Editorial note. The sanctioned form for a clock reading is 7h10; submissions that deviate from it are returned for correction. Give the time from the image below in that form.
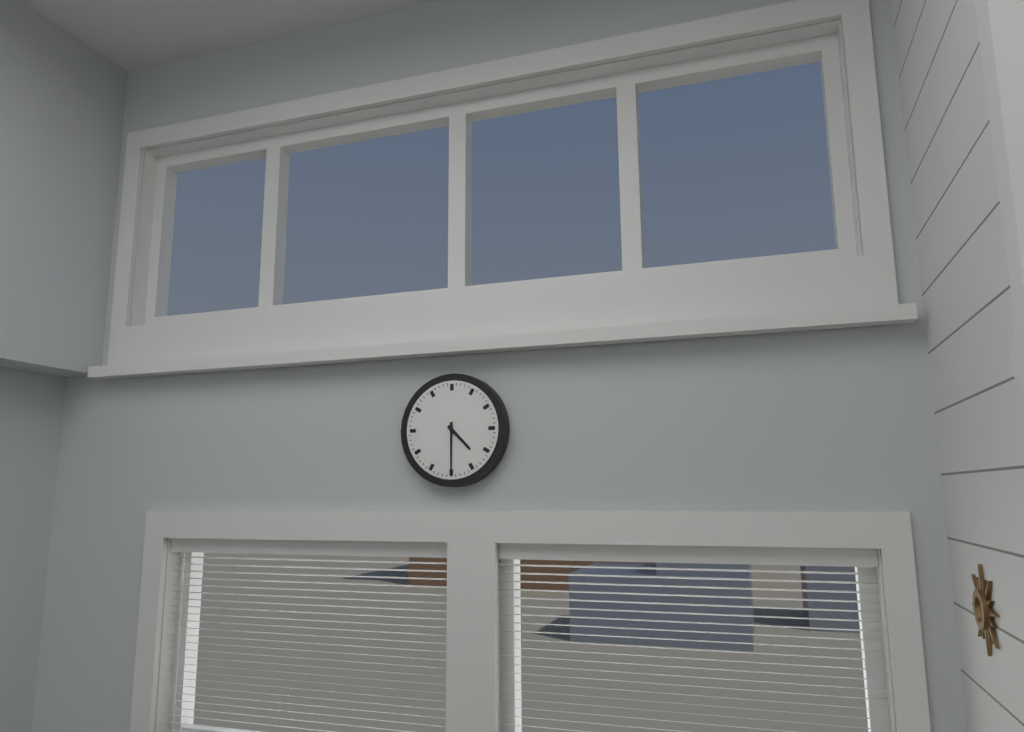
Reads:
4h30
